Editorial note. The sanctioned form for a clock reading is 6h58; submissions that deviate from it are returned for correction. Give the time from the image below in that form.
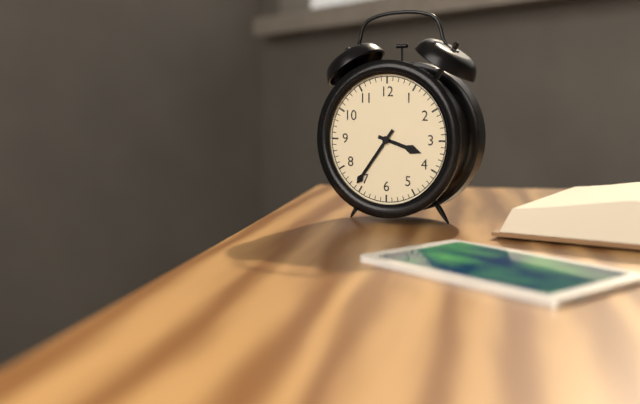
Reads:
3h36
